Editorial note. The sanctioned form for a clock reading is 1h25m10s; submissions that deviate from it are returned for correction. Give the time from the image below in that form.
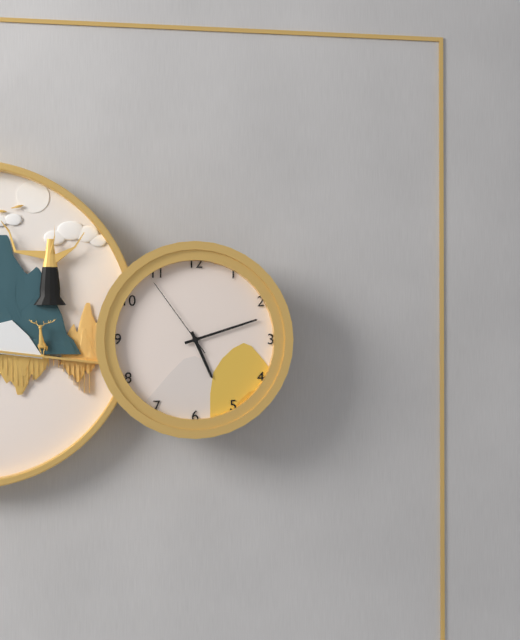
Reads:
5h12m54s
